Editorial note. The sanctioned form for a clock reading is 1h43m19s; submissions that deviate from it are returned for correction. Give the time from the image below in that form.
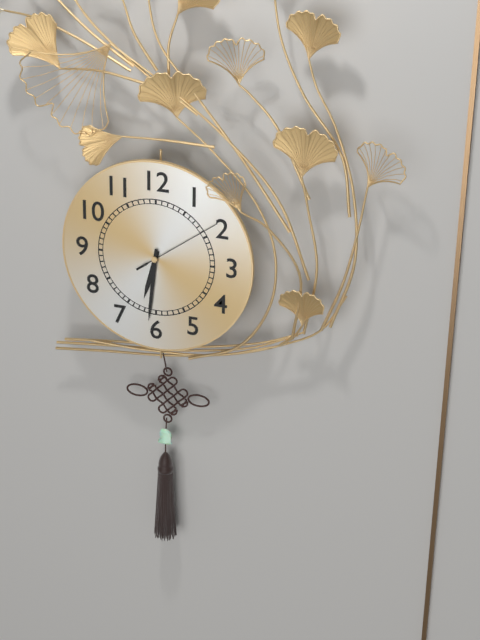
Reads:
6h31m09s
